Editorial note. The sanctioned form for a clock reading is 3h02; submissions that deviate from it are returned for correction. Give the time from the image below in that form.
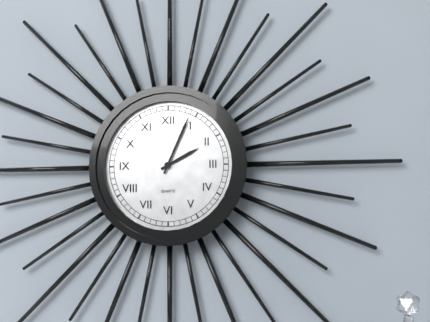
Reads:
2h04
